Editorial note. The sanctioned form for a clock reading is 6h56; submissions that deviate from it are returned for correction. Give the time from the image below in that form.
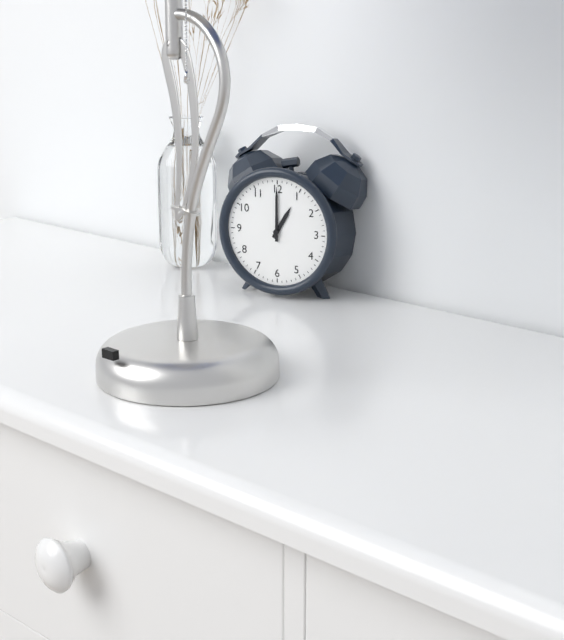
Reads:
1h00
